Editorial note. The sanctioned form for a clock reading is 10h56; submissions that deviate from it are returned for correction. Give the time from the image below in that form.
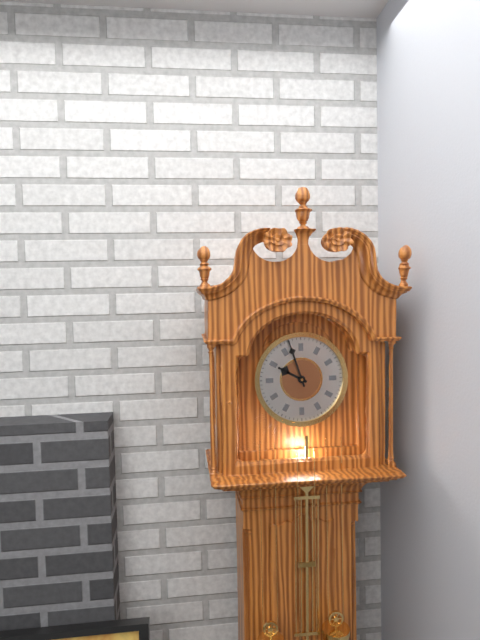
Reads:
9h57
